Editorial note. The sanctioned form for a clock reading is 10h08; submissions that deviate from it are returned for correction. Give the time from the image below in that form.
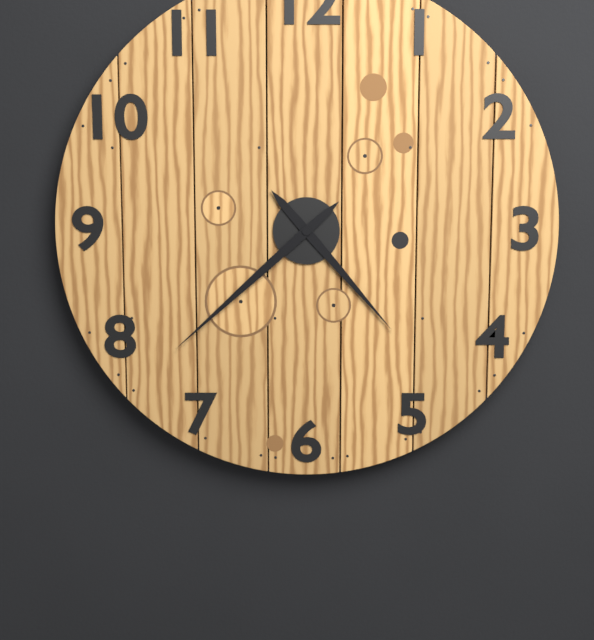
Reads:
4h38
